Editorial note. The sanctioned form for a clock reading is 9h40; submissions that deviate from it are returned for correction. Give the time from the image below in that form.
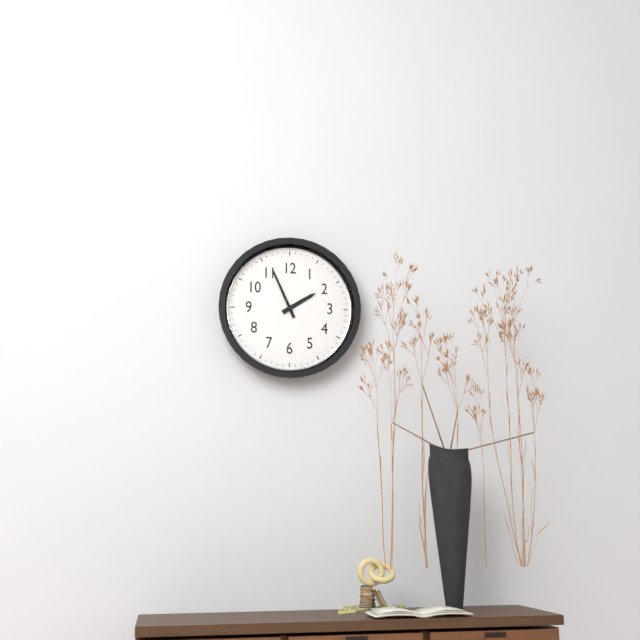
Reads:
1h56
